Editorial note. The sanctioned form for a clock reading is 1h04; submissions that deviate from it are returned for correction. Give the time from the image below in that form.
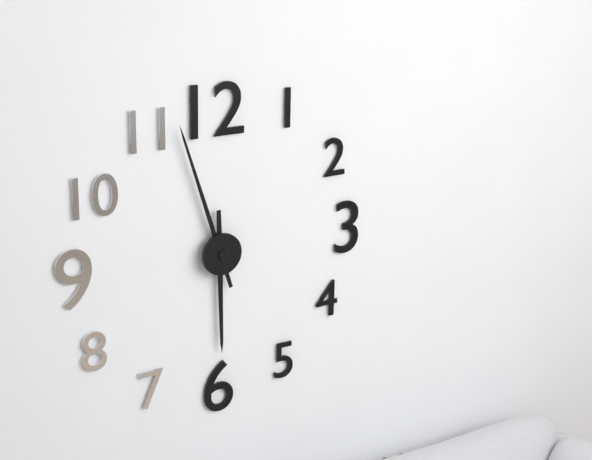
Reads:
5h57
